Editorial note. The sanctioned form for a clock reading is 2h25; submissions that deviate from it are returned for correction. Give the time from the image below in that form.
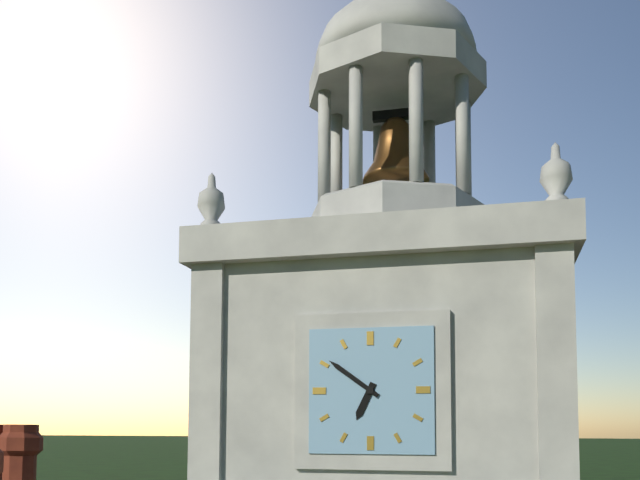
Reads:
6h51
